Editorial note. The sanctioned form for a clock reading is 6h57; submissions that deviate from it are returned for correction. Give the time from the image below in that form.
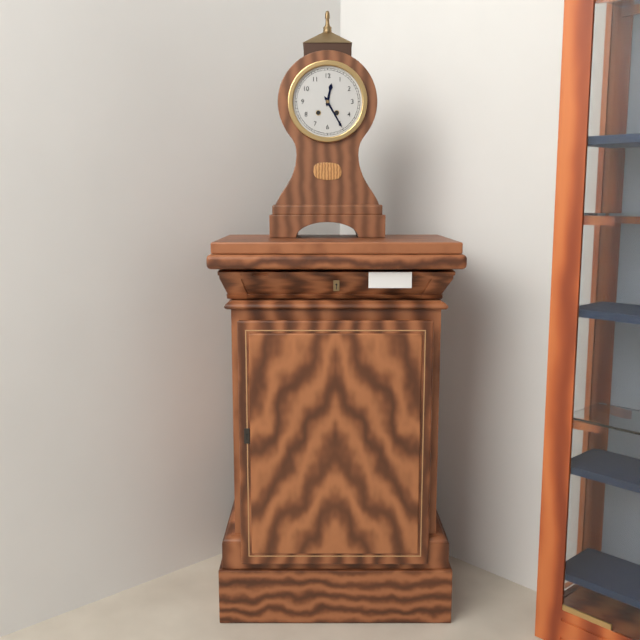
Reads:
12h25
